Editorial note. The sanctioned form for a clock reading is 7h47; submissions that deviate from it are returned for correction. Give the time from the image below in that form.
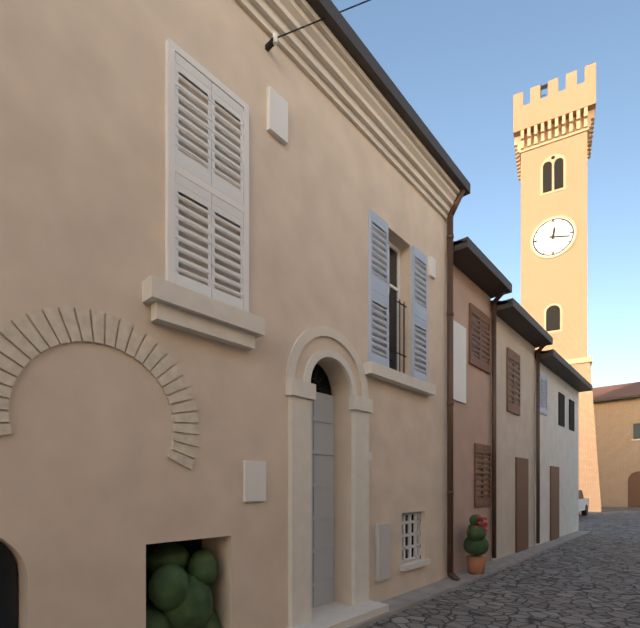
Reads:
12h17
